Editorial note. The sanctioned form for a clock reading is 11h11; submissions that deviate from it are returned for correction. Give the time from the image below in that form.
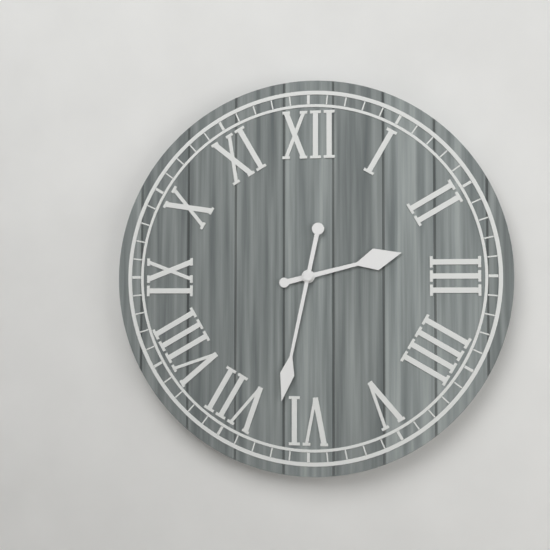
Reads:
2h32
